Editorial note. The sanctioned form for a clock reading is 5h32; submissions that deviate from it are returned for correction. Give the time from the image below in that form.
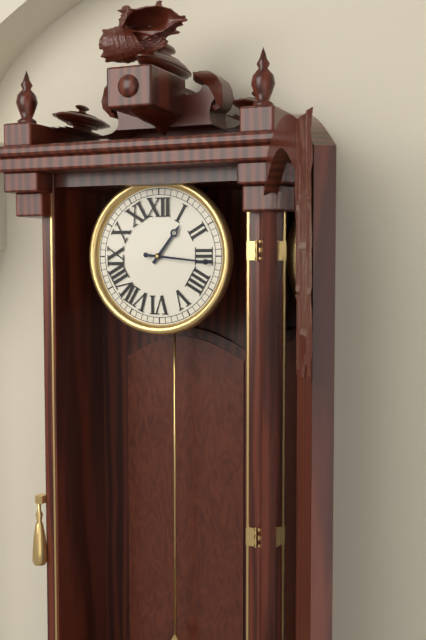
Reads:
1h16
